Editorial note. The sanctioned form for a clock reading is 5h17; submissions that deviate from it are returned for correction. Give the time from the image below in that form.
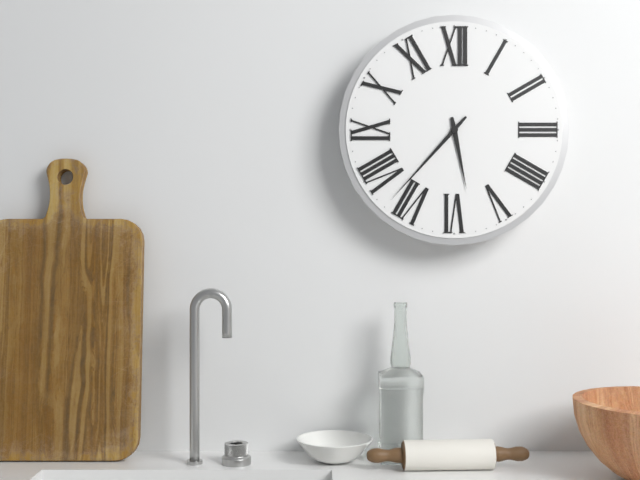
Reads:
5h37
